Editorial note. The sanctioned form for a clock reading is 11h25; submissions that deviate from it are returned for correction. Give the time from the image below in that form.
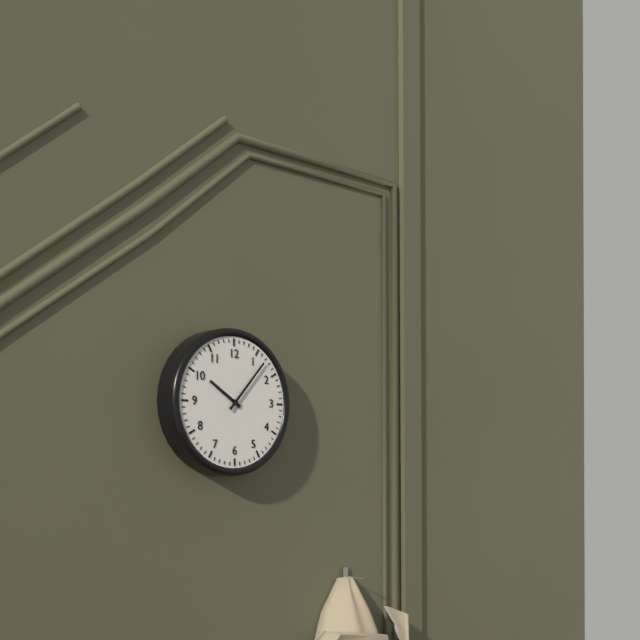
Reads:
10h07
